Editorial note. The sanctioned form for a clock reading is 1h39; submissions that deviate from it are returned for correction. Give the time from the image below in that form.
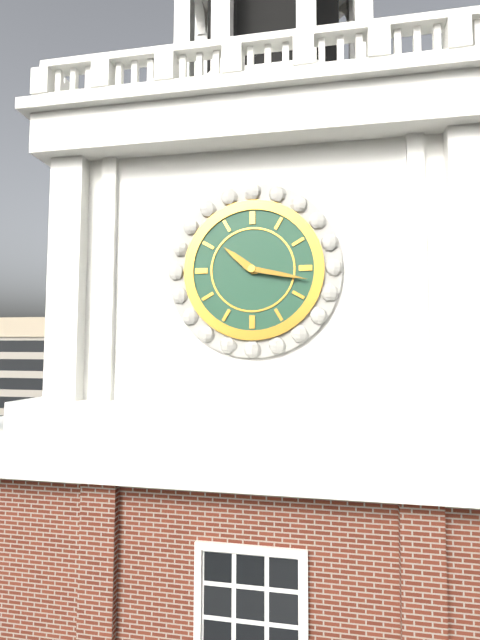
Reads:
10h17
